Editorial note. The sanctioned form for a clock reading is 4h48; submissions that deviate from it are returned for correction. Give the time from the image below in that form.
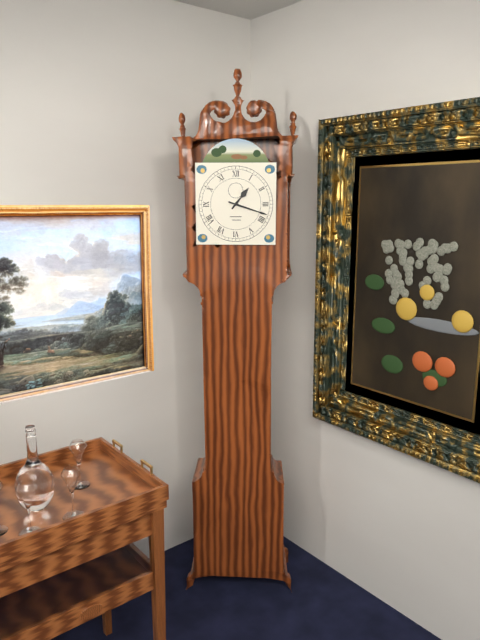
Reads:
1h18
